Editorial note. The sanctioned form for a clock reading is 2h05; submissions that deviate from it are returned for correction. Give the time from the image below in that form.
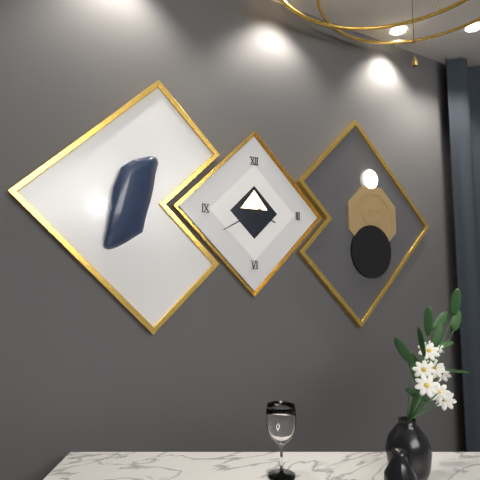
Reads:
3h40
